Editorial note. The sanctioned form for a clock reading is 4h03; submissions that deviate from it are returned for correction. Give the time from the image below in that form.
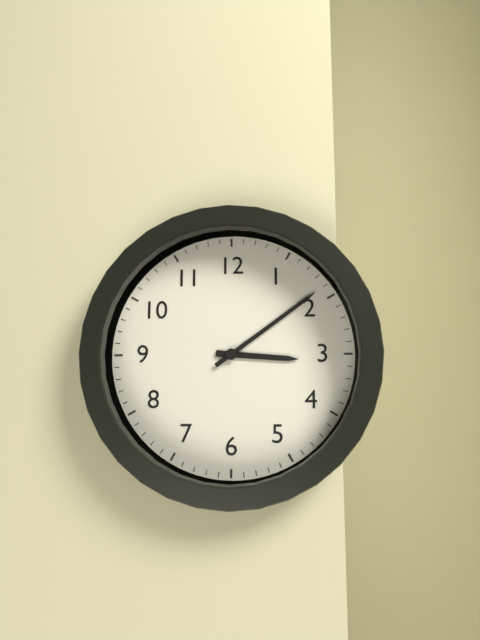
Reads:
3h09
